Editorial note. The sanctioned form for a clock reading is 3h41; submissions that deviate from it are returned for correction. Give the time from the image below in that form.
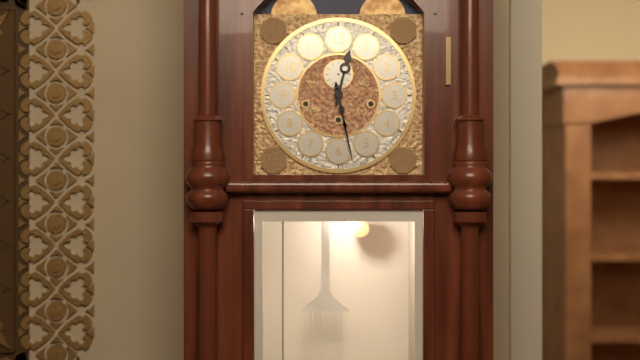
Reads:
12h28
